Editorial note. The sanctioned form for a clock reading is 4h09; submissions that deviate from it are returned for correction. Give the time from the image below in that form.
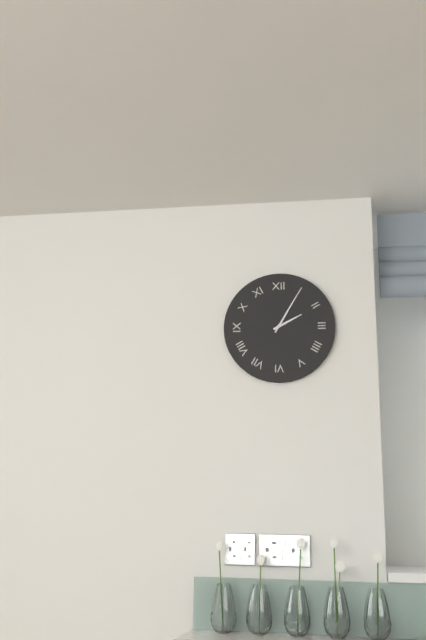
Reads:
2h05
